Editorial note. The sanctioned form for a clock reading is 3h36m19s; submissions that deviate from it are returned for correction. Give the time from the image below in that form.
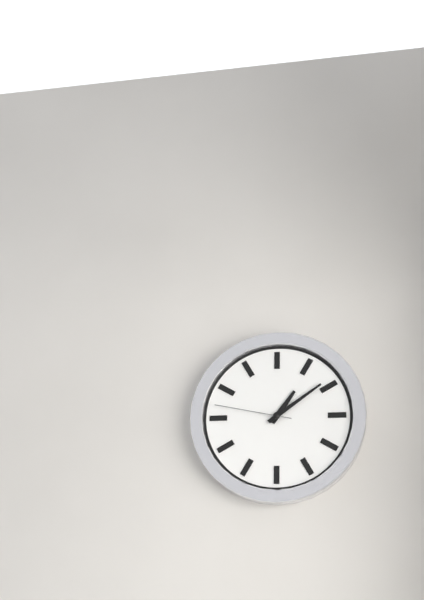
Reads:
1h09m47s
